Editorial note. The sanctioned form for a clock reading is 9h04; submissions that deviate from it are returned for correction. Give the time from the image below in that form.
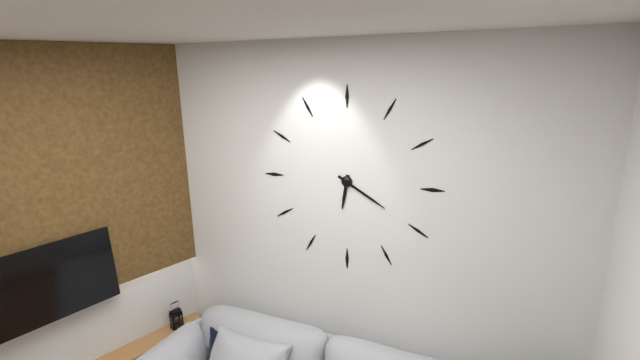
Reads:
6h20
